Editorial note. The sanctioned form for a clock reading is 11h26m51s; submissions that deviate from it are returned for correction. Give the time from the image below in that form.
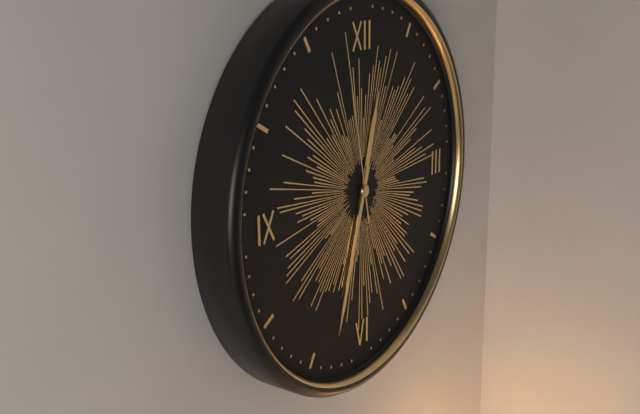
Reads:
12h33m58s
